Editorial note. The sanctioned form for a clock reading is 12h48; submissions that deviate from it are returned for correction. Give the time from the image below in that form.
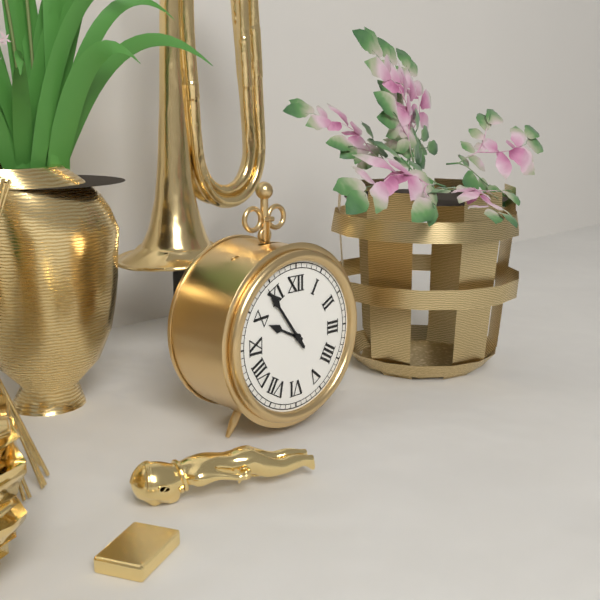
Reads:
9h54
